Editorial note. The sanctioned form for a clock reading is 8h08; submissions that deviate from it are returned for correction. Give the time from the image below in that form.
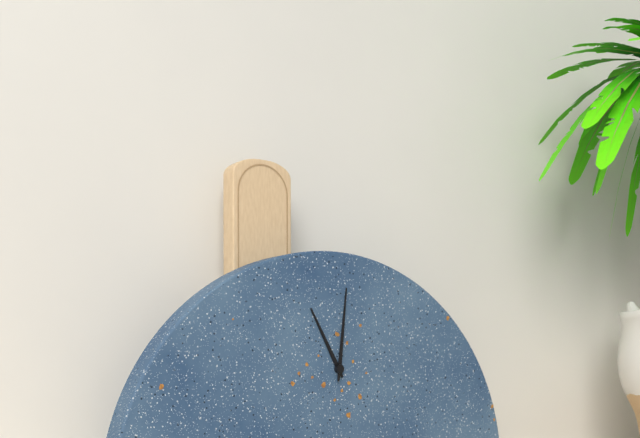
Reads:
11h01
